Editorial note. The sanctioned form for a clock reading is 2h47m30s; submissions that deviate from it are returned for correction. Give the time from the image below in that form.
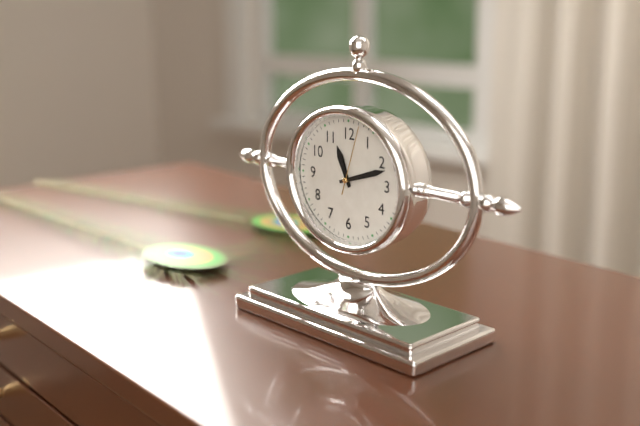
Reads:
11h12m03s
